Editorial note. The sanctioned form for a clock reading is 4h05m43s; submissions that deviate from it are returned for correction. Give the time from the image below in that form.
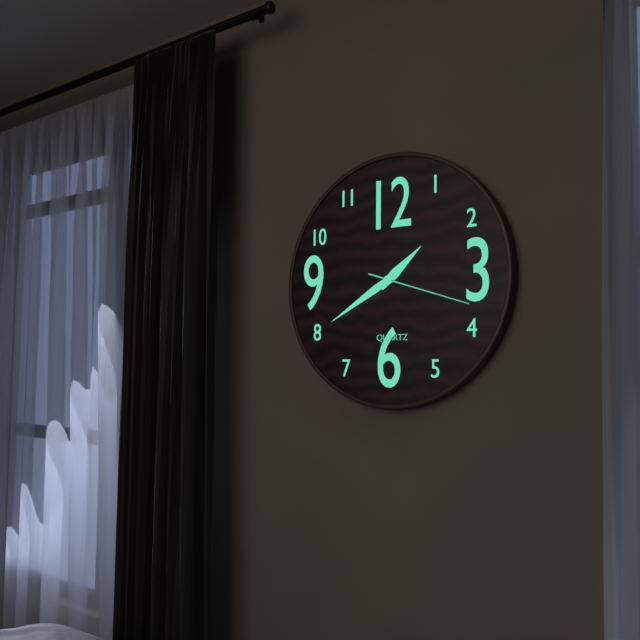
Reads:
1h40m18s
